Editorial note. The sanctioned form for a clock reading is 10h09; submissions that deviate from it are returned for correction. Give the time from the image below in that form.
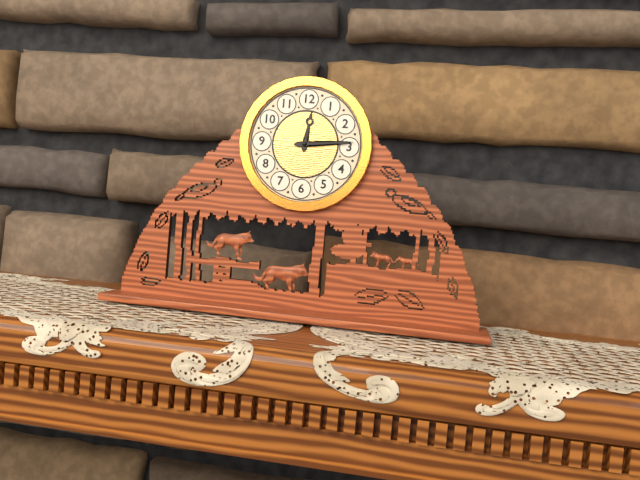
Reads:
12h14
